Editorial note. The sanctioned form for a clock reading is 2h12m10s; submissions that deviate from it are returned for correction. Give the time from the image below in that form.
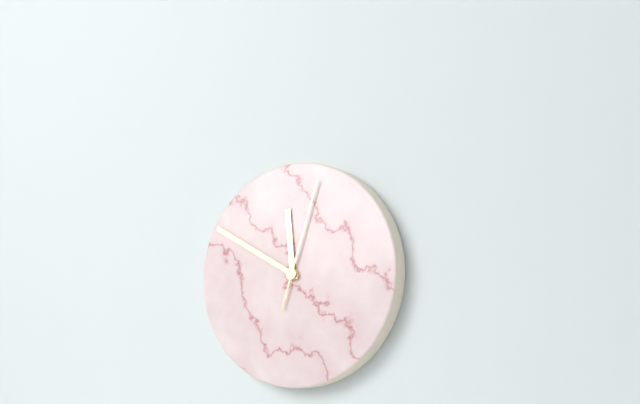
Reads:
11h50m03s
